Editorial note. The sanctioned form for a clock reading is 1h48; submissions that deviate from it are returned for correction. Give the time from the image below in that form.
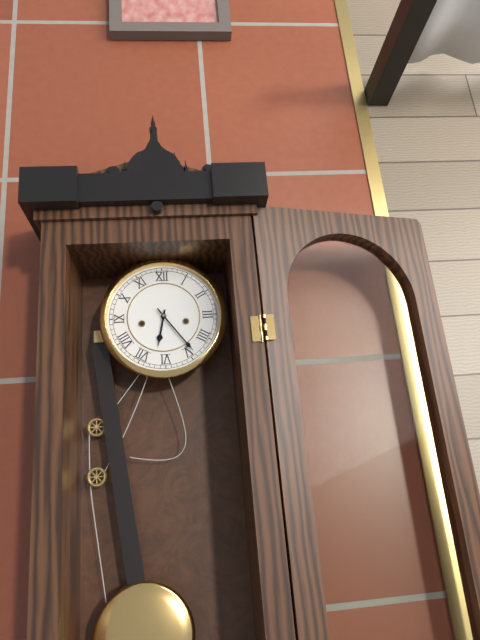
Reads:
6h24
